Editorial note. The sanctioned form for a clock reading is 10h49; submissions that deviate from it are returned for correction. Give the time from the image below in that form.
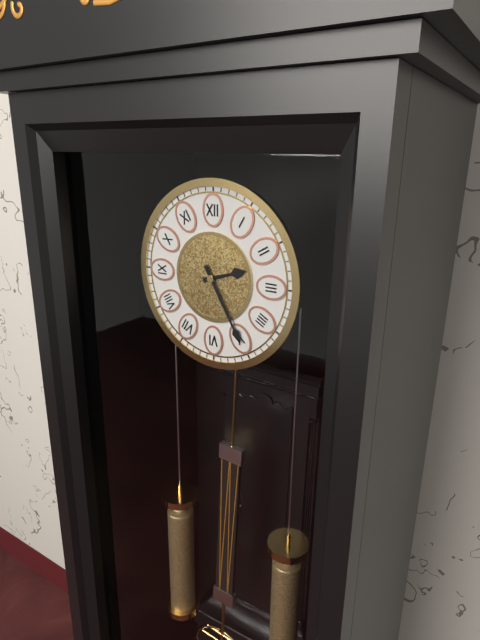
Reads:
2h25
